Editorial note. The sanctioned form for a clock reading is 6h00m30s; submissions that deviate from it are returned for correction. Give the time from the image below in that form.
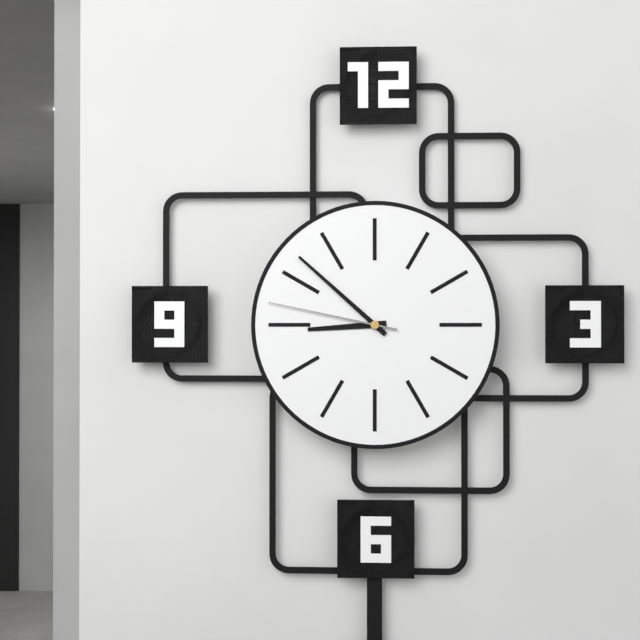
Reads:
8h52m47s
